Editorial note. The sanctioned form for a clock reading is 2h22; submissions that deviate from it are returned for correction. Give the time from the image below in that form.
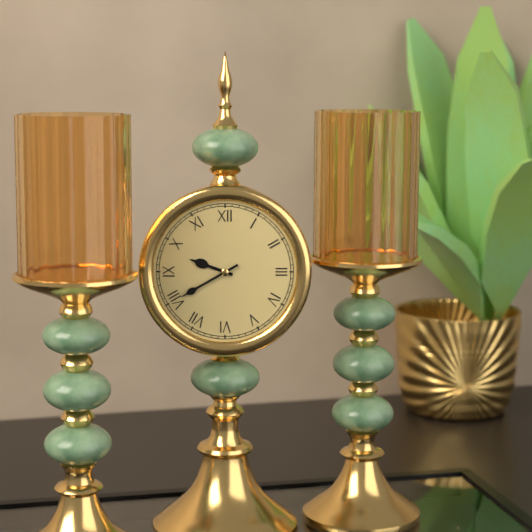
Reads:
9h40
